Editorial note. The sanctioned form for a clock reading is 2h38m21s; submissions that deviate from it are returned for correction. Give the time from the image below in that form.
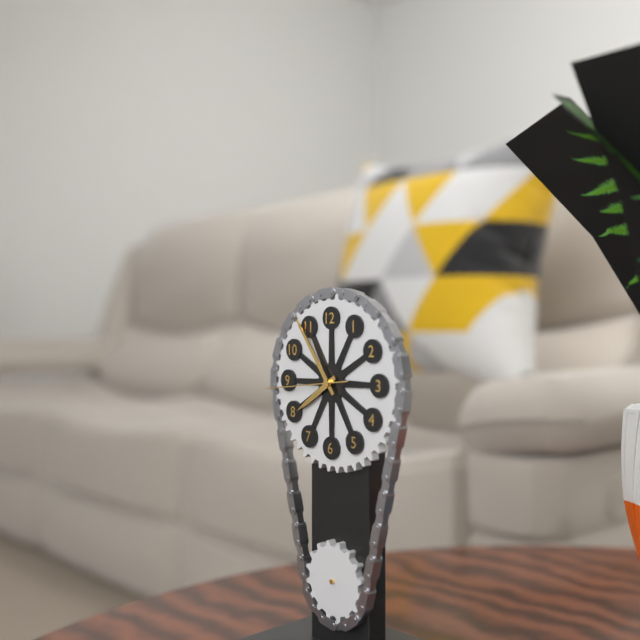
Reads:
7h54m44s
